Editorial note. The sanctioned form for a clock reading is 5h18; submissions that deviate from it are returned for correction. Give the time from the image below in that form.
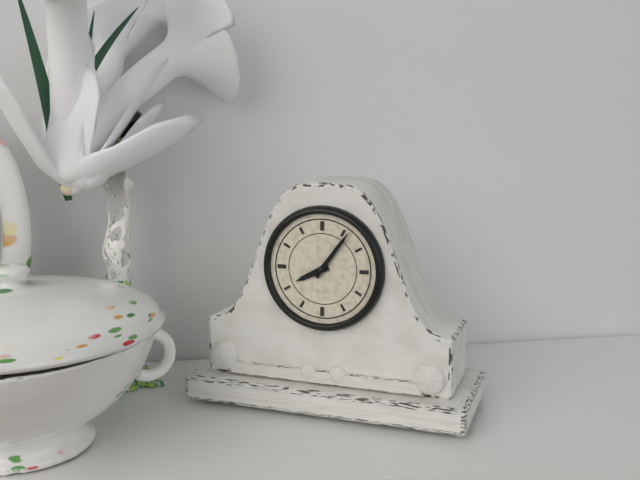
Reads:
8h06
